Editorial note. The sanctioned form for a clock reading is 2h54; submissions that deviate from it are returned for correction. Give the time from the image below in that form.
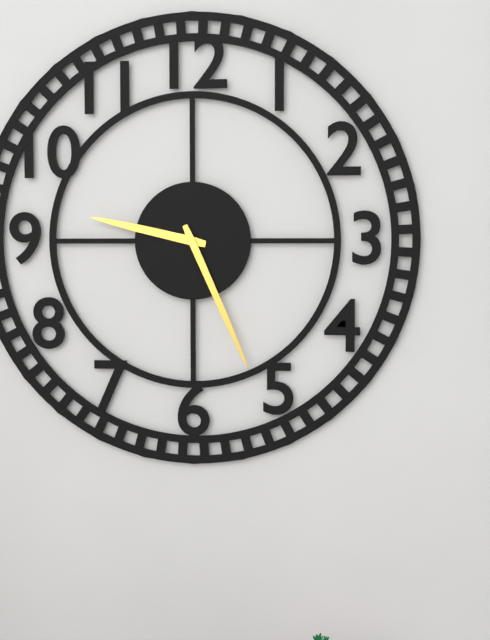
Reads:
9h26
